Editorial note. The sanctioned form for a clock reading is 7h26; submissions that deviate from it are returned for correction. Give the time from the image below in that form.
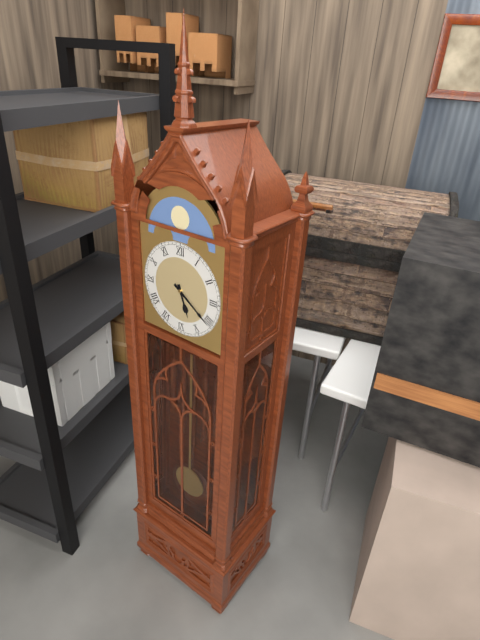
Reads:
5h21
